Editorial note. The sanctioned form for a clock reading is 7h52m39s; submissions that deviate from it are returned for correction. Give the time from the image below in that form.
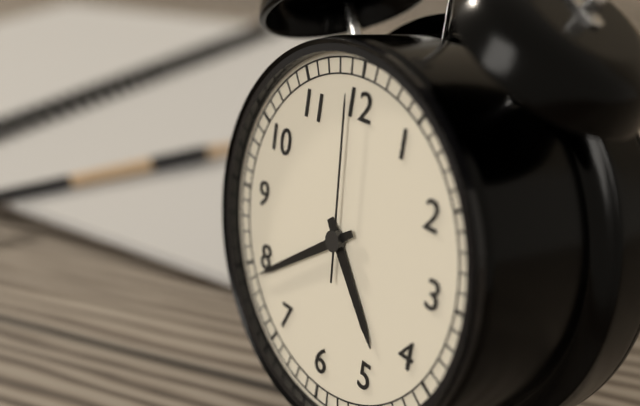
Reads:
4h39m59s
